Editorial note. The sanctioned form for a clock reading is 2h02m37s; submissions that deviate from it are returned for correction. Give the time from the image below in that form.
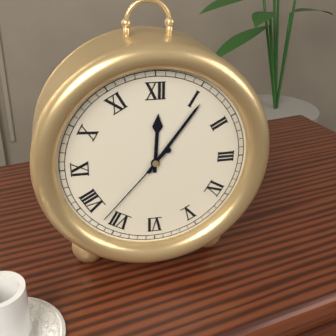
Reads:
12h06m37s
